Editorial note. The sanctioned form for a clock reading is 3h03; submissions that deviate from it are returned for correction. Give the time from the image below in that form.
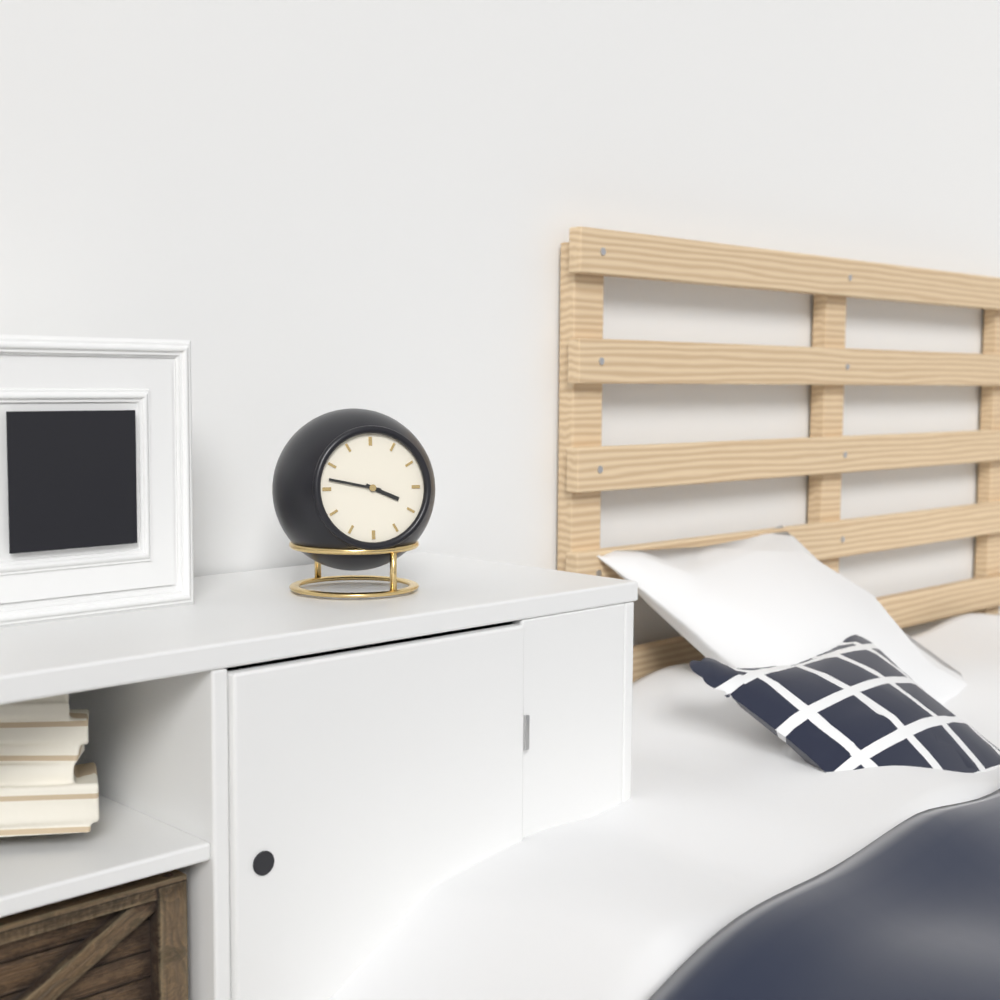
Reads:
3h47
